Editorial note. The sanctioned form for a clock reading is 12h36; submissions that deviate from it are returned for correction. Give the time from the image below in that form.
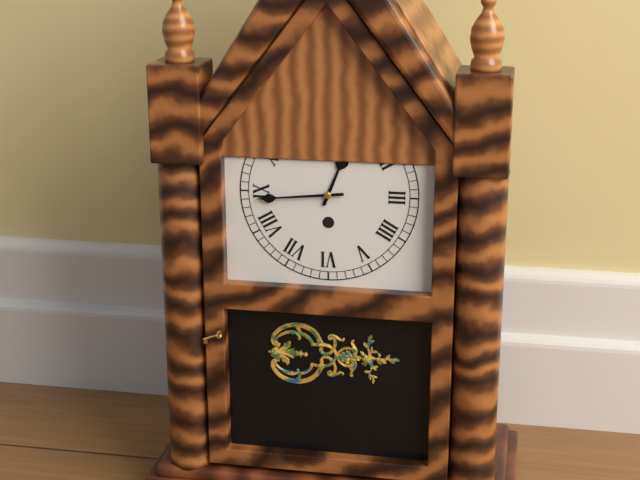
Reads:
12h44
